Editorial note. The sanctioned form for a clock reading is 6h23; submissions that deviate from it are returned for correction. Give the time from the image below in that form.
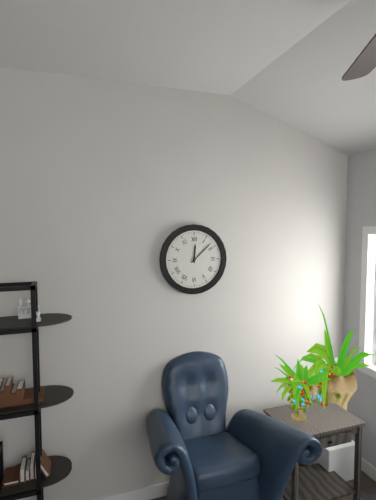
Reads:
12h08
